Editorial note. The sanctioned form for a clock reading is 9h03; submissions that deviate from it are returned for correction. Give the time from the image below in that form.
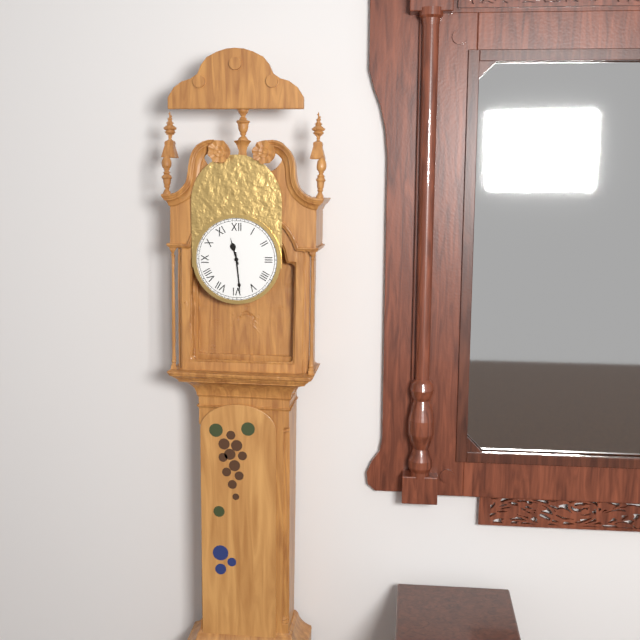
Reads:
11h29
